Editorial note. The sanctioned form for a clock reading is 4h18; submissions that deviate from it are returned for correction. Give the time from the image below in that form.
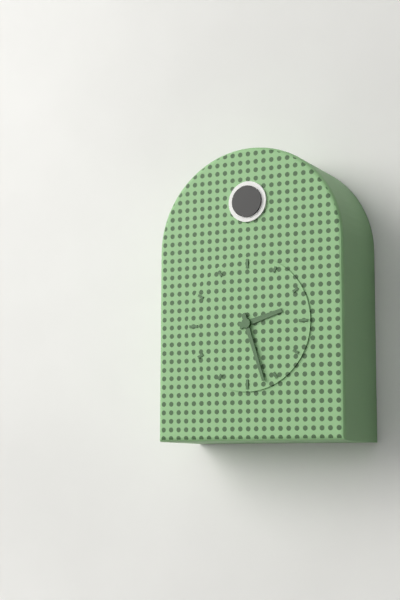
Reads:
2h27
